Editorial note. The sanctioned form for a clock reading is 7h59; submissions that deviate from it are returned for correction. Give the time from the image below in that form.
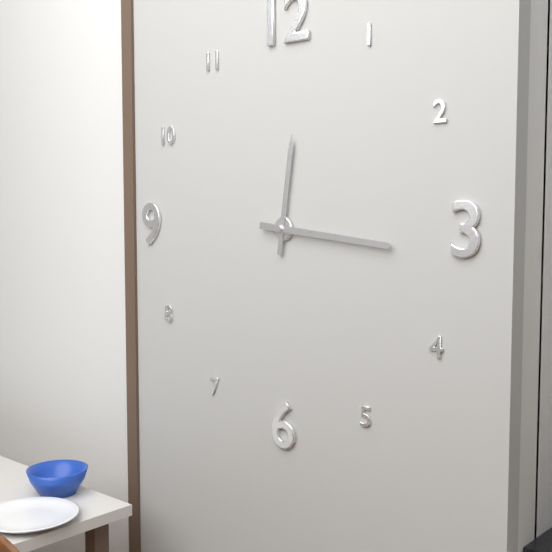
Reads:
12h16
